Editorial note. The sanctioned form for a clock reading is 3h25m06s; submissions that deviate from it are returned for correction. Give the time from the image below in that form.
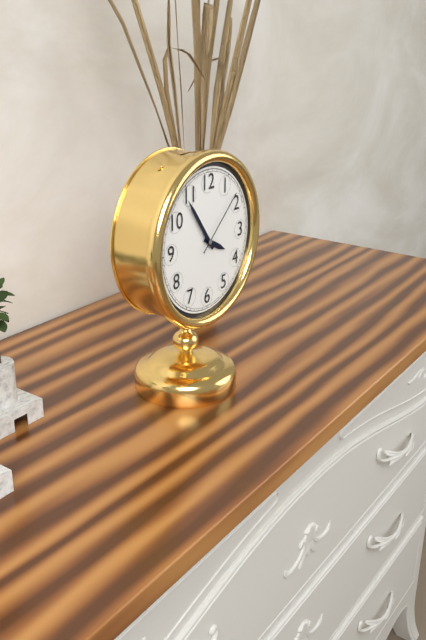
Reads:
3h54m08s
